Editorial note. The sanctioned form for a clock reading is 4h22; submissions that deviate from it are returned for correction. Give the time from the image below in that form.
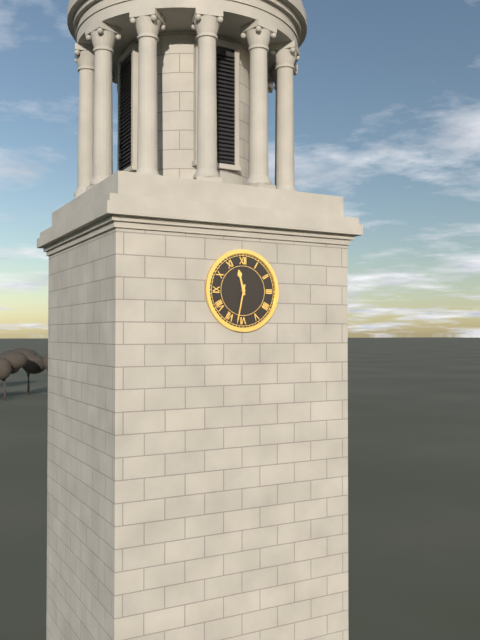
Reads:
11h32
